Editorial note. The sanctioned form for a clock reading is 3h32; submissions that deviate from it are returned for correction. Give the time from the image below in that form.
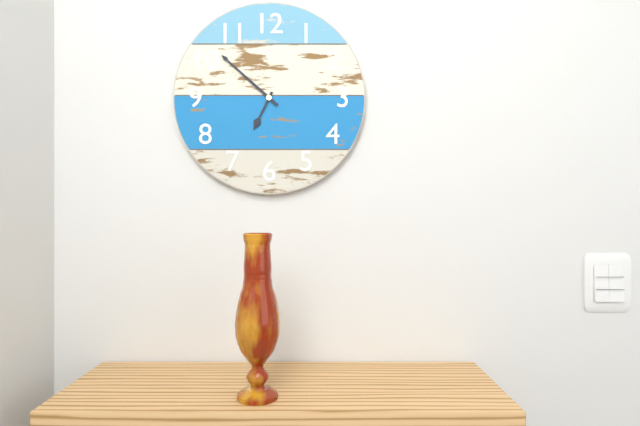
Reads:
6h52
